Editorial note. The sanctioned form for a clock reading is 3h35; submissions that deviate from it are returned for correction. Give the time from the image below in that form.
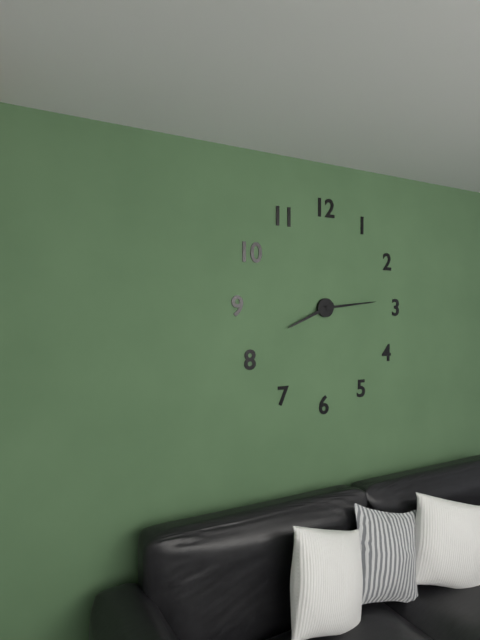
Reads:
8h14
